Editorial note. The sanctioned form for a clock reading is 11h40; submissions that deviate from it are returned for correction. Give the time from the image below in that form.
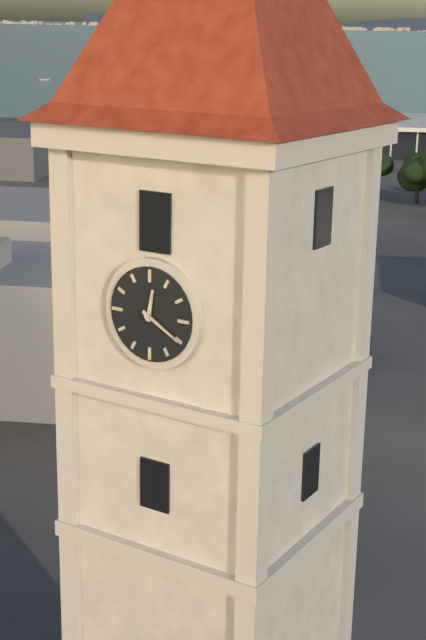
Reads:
12h20
